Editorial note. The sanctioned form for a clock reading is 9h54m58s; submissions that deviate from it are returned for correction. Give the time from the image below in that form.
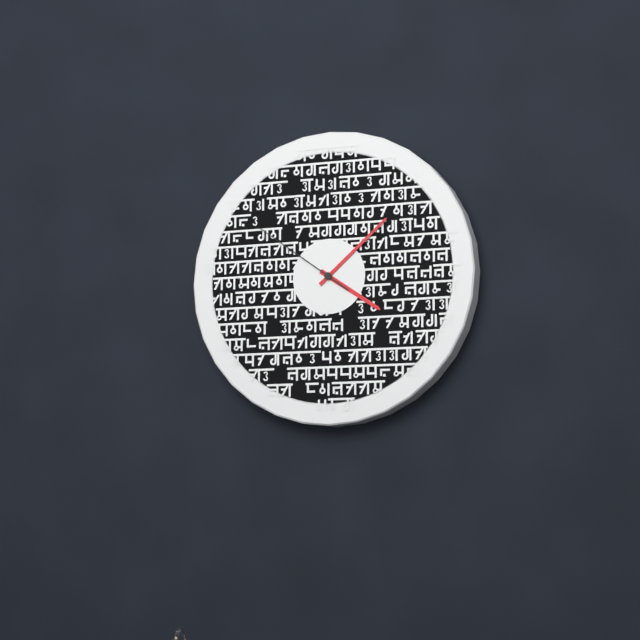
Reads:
4h08m51s
